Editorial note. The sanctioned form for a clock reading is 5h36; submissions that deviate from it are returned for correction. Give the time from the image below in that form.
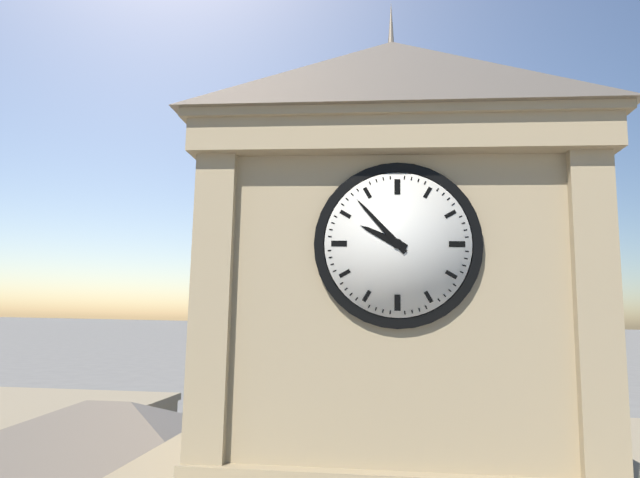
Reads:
9h53
